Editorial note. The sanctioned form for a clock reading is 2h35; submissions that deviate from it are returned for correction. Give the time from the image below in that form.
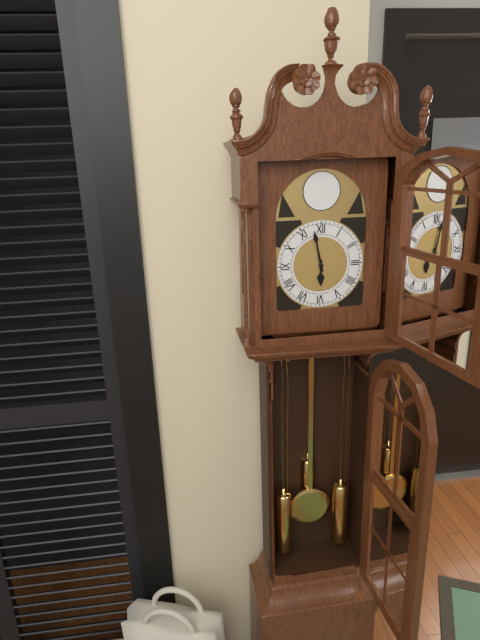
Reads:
5h58
